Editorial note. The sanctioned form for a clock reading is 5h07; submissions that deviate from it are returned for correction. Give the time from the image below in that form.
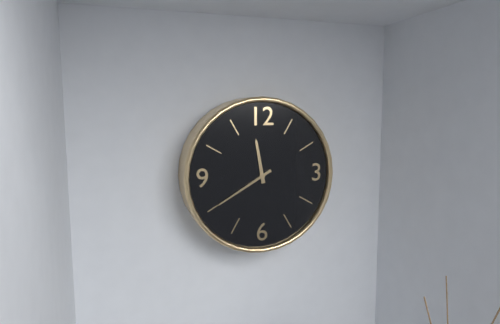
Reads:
11h40
